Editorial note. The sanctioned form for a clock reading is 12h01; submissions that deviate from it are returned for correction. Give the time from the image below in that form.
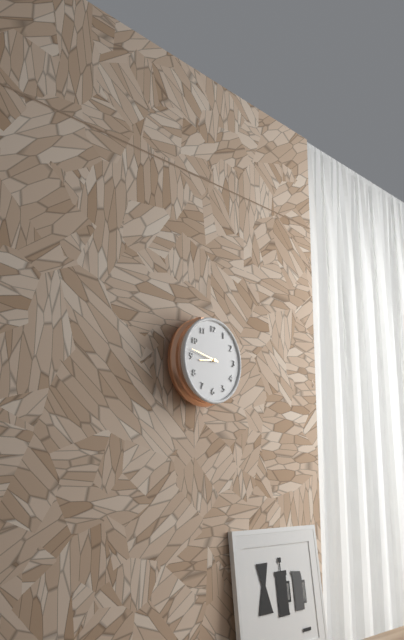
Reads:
8h47
